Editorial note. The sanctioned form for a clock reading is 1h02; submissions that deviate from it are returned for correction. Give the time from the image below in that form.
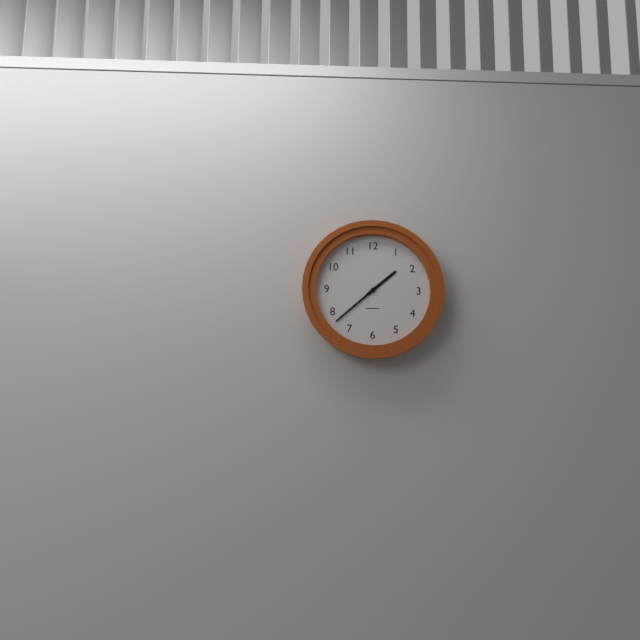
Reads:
1h38
